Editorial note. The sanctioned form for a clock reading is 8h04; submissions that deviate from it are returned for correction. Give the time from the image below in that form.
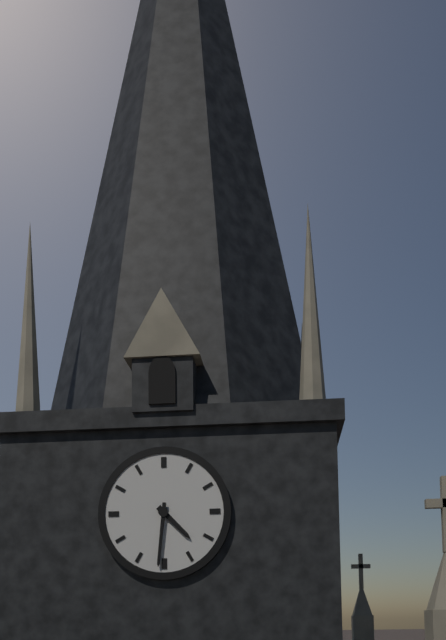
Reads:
4h31
